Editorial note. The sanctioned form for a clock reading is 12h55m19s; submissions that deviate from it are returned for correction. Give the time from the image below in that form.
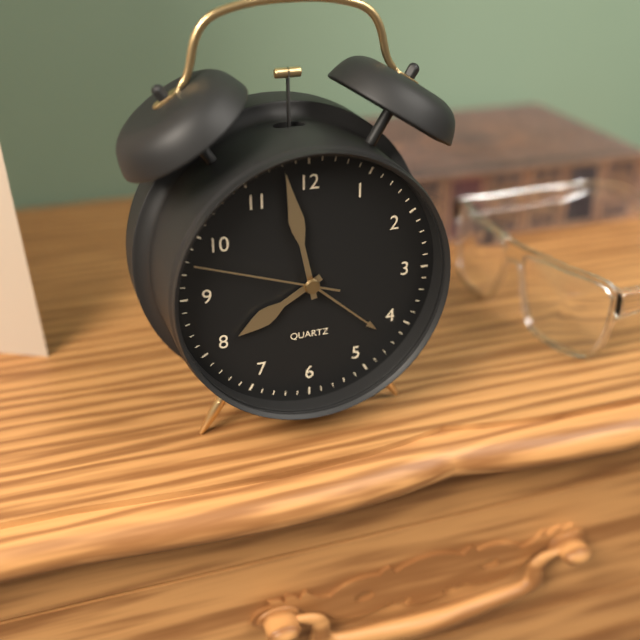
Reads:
7h58m48s
